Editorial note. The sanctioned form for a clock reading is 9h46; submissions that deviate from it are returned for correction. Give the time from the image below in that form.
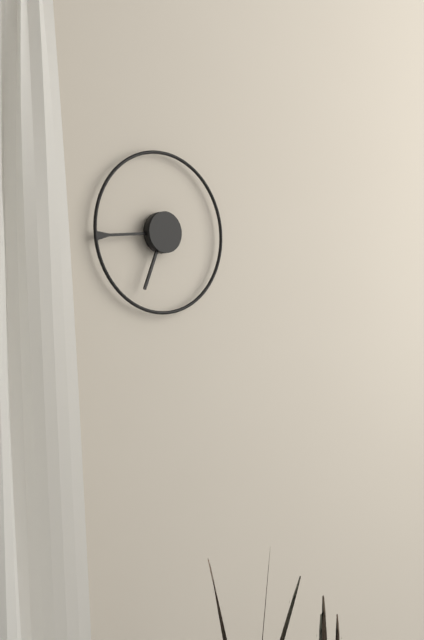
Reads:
6h44
